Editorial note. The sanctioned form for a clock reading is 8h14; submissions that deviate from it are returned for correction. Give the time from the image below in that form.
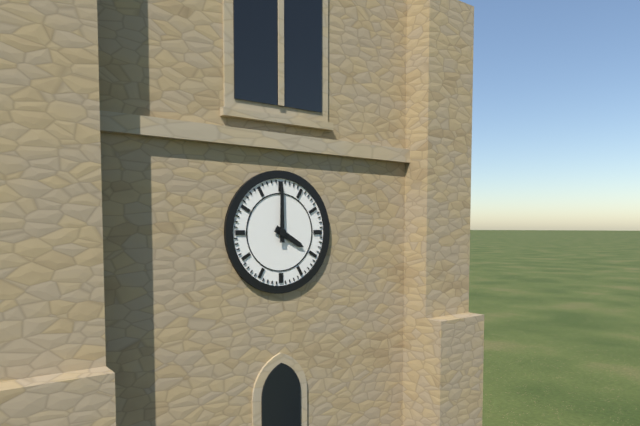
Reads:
4h00
